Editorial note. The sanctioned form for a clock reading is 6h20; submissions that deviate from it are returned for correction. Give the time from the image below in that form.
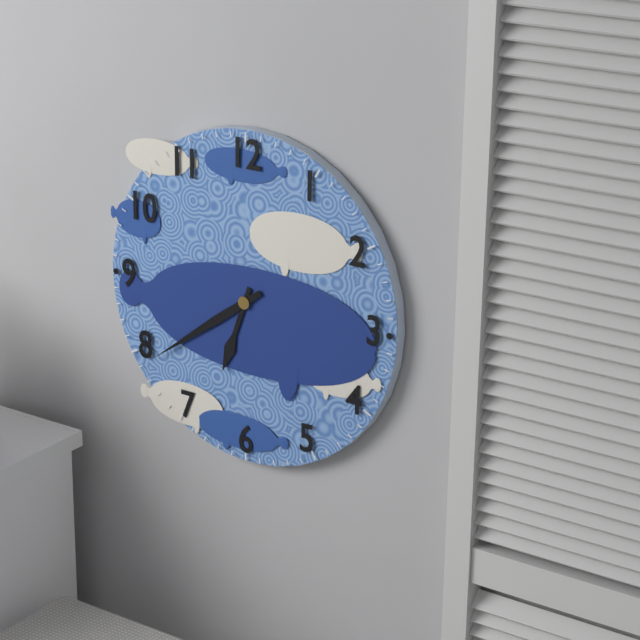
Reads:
6h39
